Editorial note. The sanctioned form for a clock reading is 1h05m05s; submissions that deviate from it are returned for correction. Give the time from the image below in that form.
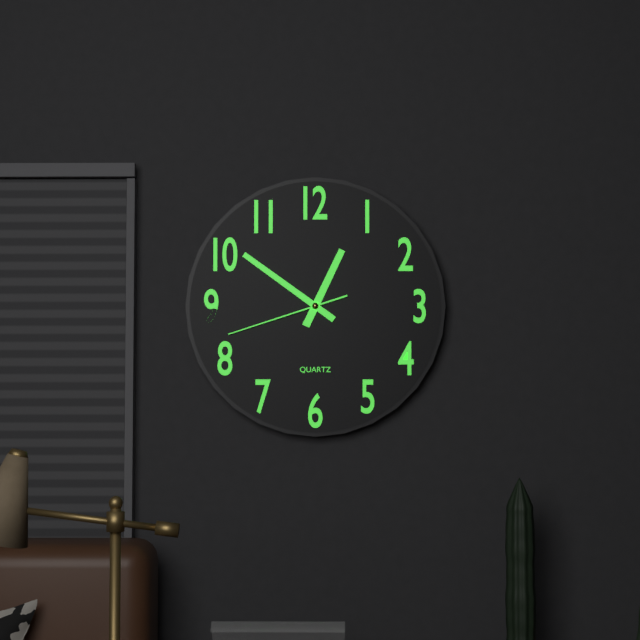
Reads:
12h51m42s
